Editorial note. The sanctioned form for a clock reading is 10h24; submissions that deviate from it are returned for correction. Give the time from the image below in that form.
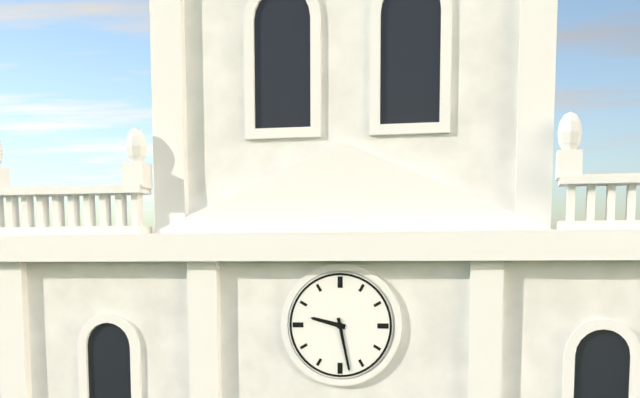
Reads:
9h28
